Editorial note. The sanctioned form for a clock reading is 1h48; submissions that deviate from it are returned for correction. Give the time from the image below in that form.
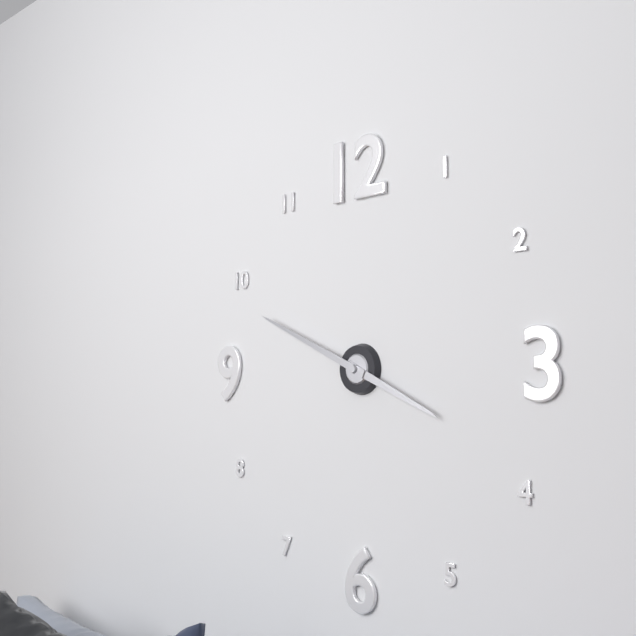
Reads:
3h49
